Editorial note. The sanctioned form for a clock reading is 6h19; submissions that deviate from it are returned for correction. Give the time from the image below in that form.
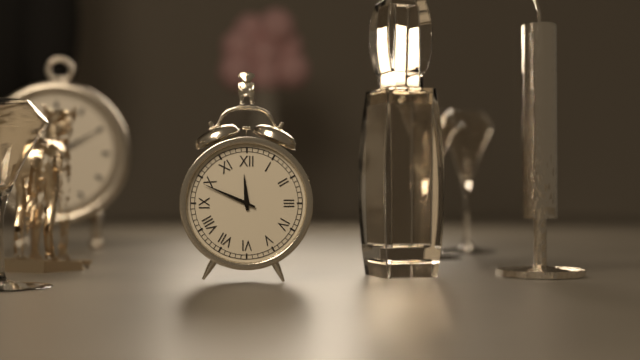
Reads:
11h49
